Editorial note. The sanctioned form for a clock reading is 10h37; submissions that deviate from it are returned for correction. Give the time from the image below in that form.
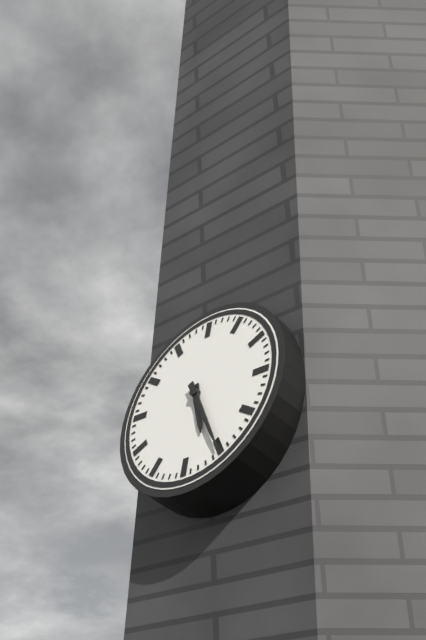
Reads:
5h25
